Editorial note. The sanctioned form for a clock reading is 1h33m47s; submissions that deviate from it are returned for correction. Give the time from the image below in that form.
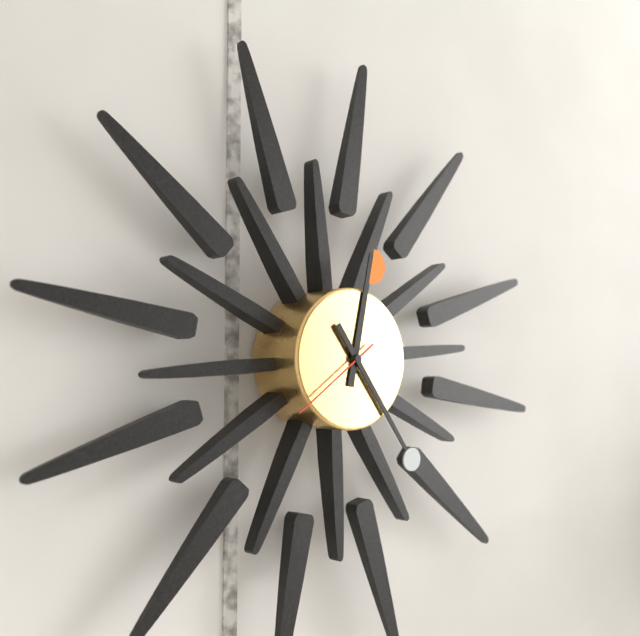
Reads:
12h24m39s
